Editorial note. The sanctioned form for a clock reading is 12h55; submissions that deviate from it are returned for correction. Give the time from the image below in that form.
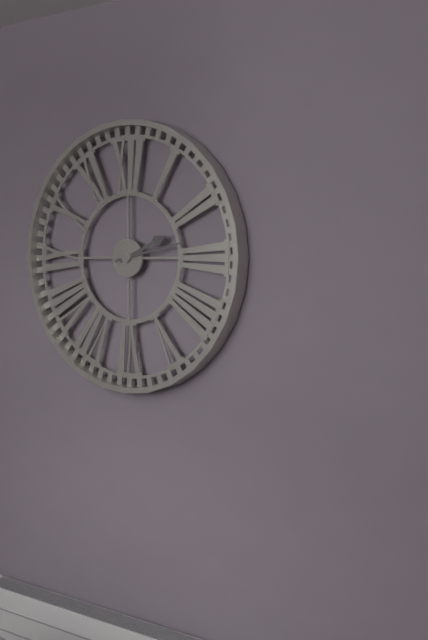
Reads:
2h13
